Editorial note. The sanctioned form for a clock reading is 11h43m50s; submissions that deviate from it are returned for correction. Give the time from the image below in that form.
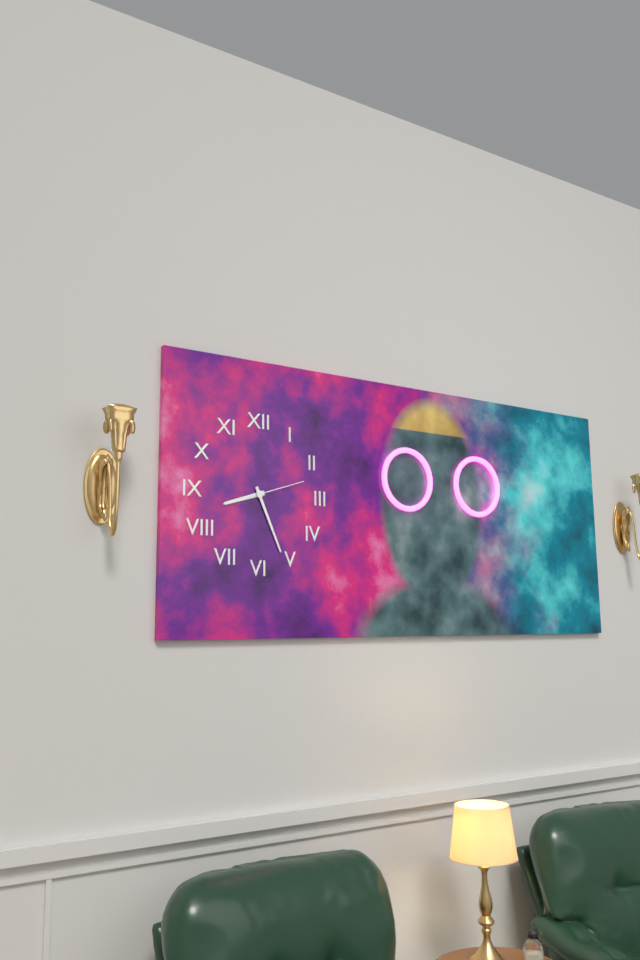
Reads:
8h26m12s
